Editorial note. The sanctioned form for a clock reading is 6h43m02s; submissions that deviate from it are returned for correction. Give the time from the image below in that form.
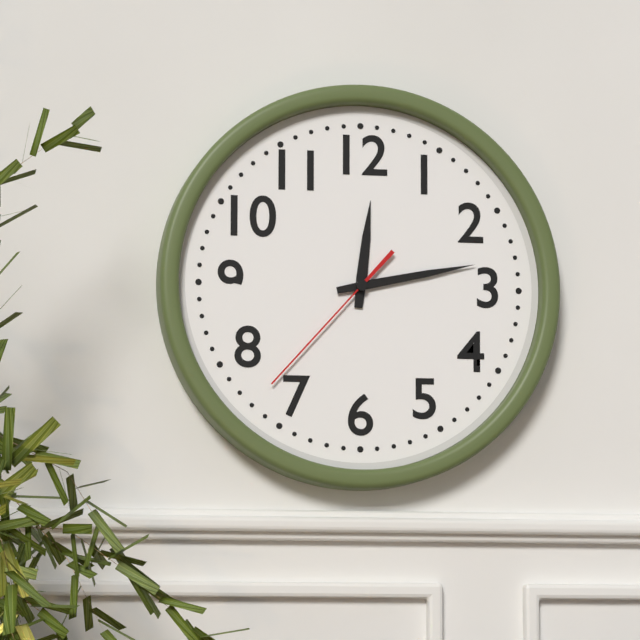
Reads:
12h13m37s
